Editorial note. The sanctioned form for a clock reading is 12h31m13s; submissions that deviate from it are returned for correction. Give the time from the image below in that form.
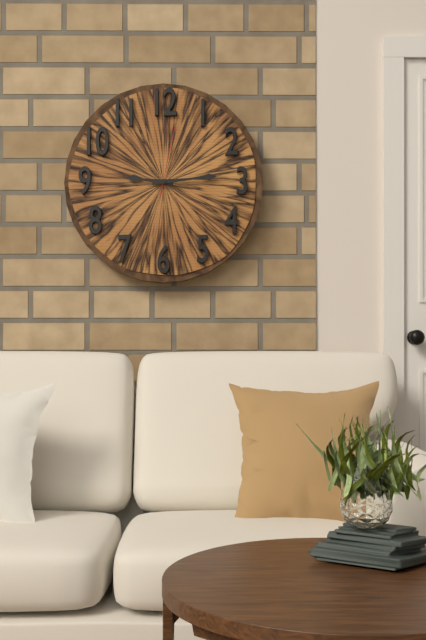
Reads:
9h14m02s
